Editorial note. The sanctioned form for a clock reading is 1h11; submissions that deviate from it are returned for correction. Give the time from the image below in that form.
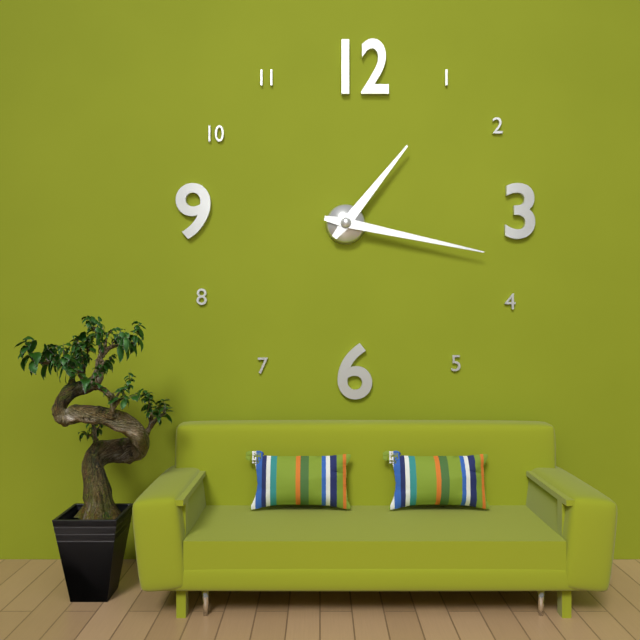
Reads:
1h17
